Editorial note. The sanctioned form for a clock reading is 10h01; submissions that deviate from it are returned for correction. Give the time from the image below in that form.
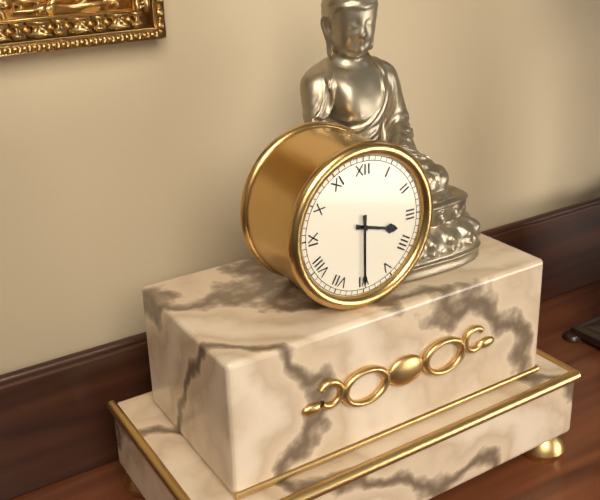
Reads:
3h30
